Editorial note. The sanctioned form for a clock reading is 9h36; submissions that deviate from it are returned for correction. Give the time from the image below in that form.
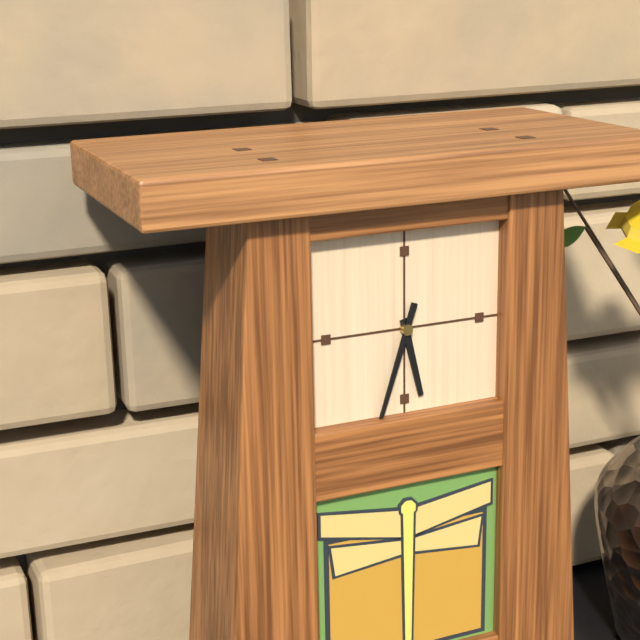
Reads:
5h33
